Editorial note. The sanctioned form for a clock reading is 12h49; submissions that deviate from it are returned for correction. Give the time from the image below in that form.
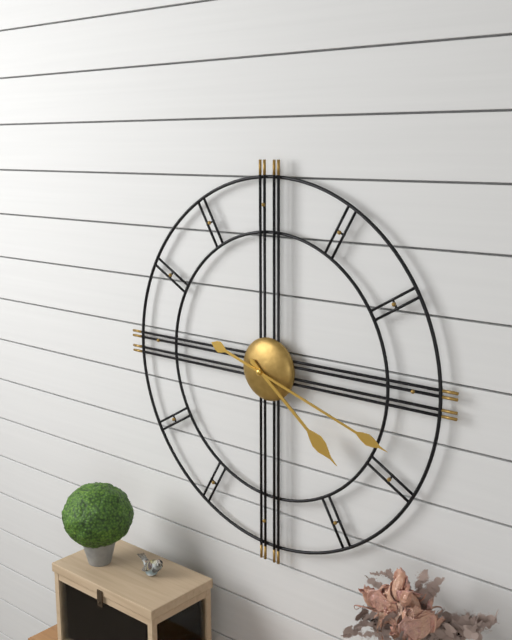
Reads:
4h18
